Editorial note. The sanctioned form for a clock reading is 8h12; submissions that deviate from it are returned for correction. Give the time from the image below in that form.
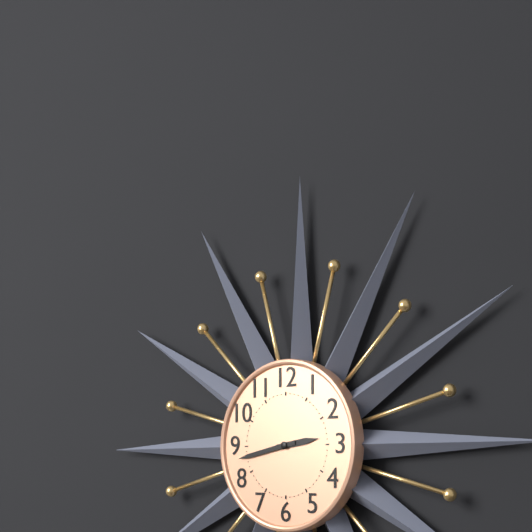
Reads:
2h43
